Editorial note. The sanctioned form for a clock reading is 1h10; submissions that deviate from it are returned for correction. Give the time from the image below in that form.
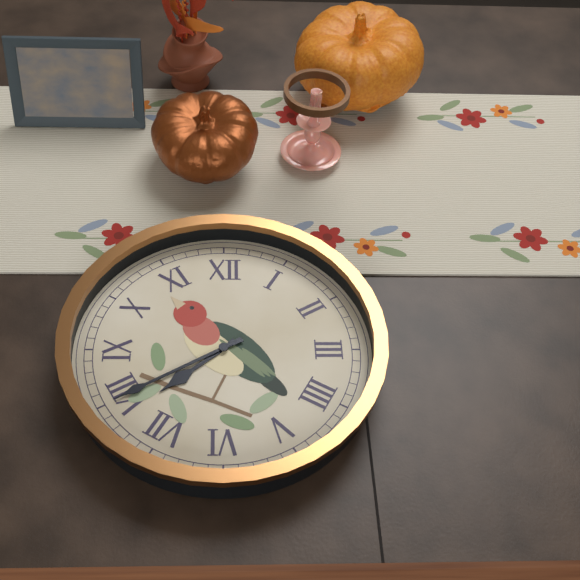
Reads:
7h40
